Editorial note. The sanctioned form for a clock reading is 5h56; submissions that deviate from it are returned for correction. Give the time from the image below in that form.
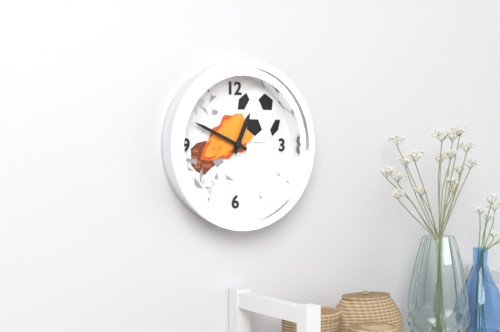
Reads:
12h49
